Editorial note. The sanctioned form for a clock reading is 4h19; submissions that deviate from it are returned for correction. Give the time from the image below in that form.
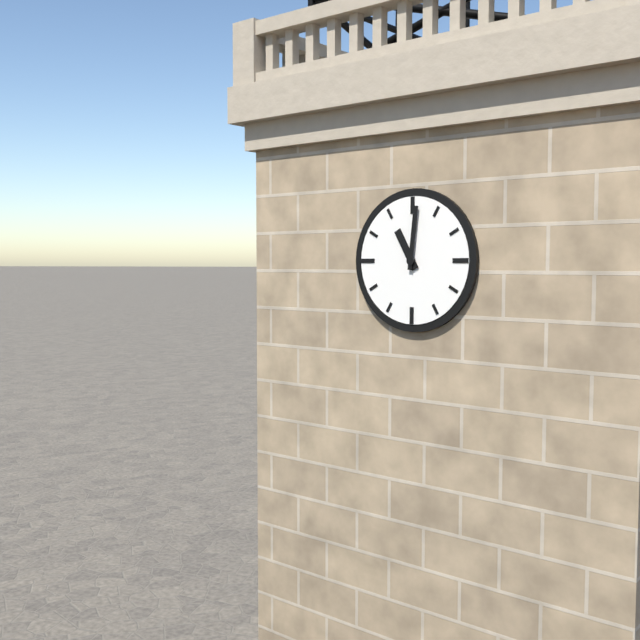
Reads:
11h01
